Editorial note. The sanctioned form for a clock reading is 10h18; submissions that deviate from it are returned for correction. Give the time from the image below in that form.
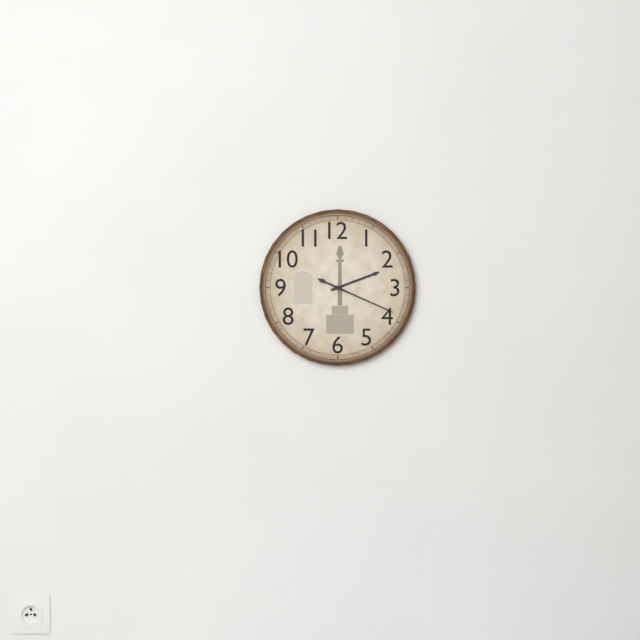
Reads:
2h19
